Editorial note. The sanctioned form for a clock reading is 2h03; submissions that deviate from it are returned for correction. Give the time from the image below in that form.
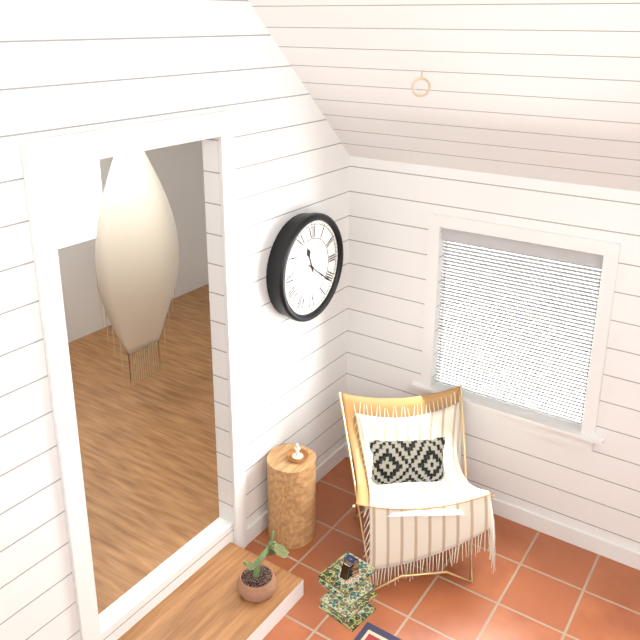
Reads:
11h21
